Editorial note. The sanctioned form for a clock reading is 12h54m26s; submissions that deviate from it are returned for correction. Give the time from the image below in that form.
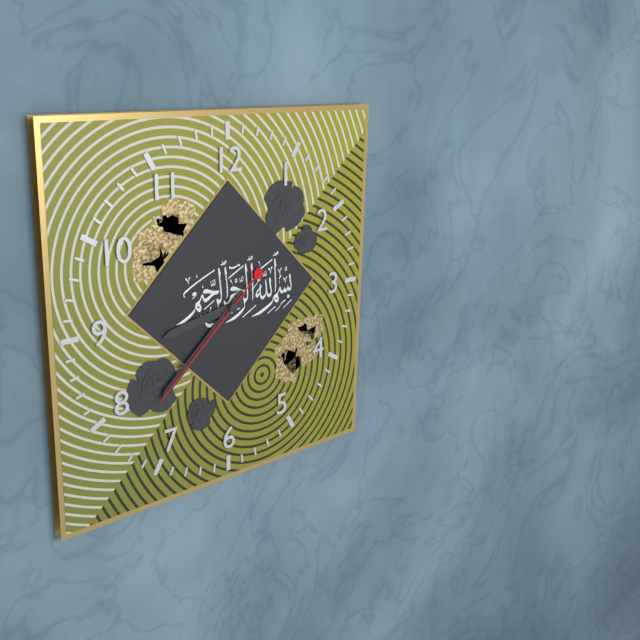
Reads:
8h38m38s
